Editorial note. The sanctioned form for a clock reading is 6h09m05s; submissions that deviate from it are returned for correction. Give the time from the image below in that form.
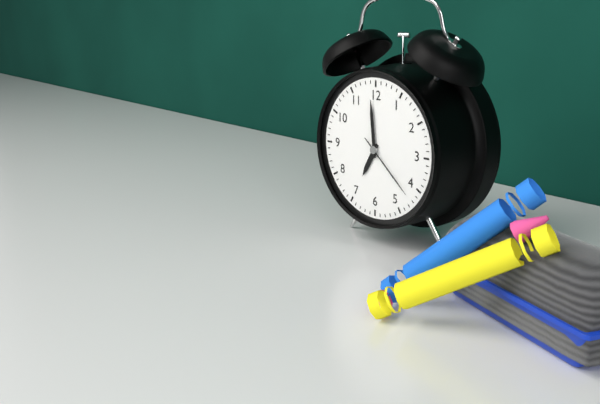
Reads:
6h59m22s
